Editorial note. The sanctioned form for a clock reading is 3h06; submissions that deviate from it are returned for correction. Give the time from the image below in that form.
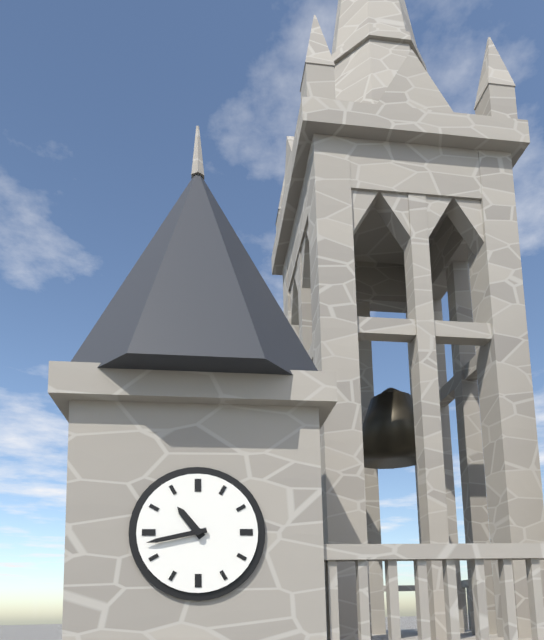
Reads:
10h43
